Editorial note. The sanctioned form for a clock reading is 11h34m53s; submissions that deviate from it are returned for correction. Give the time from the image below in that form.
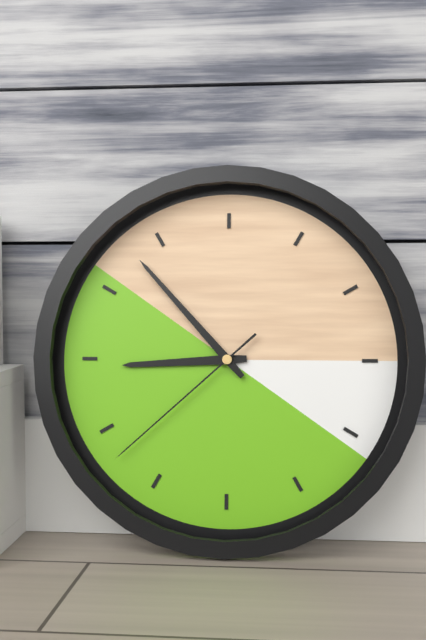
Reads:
8h53m38s
